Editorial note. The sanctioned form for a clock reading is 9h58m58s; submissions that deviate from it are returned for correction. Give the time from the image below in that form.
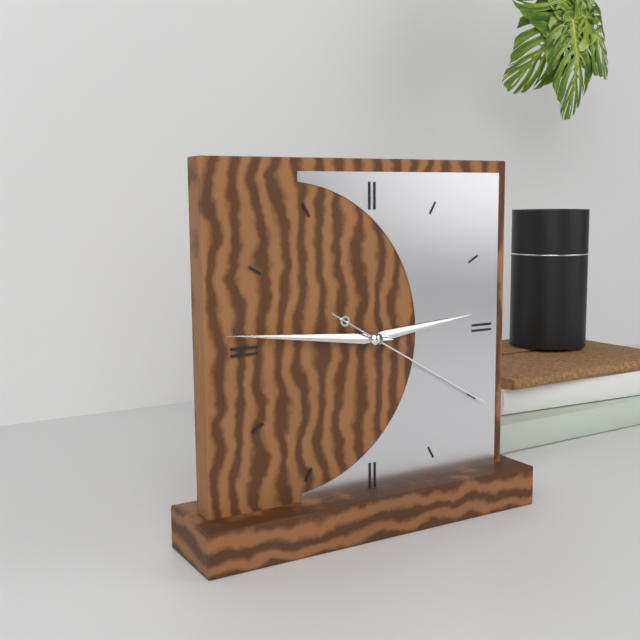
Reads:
2h46m20s
